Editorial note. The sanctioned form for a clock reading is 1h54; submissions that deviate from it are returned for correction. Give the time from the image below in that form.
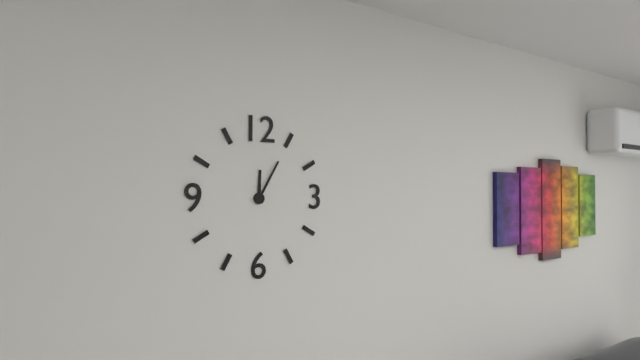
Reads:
12h05
